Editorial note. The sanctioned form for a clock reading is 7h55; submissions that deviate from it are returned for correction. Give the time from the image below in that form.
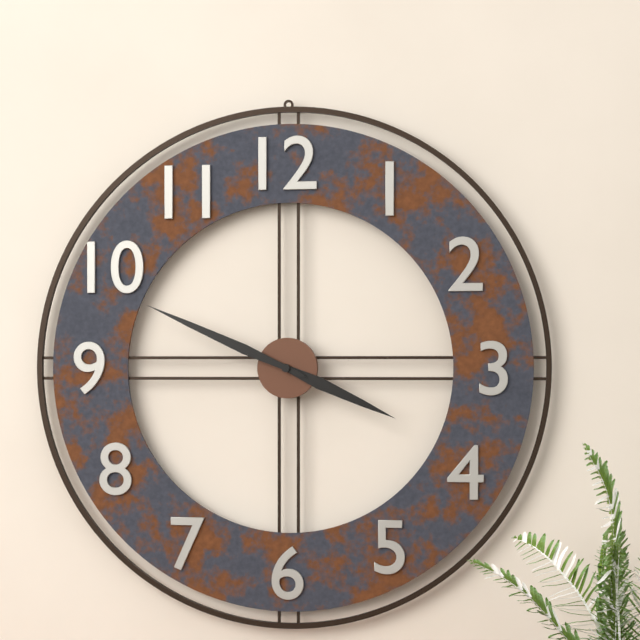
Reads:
3h49
